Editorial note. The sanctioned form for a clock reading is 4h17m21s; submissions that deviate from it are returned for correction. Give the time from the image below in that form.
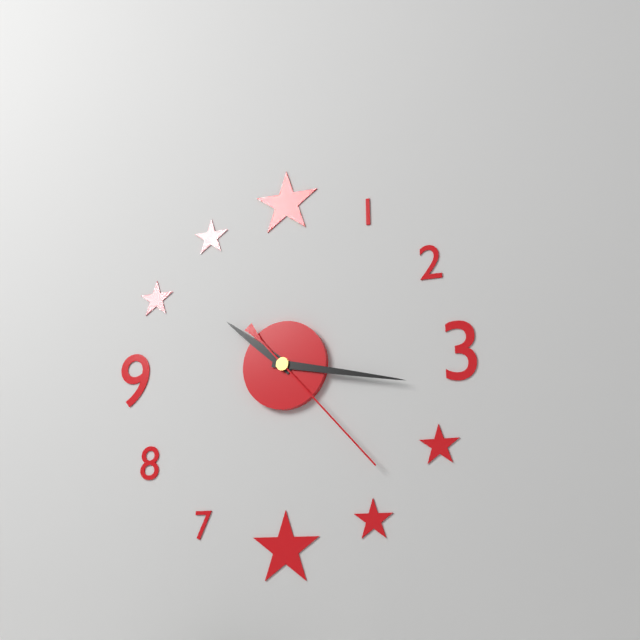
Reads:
10h17m23s
